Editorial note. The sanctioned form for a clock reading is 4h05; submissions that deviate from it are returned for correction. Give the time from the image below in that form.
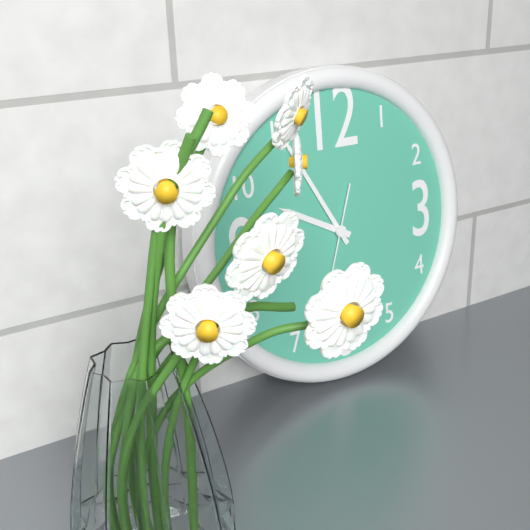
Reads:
9h55
